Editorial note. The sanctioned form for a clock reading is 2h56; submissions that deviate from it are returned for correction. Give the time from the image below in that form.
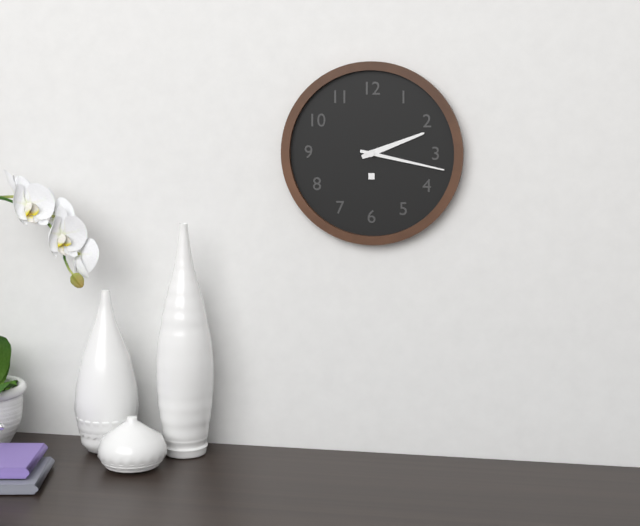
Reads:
2h17
